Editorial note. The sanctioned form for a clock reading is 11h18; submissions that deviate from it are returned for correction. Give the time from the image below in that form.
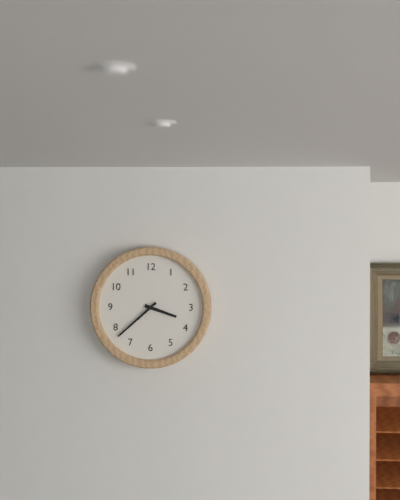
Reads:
3h38
